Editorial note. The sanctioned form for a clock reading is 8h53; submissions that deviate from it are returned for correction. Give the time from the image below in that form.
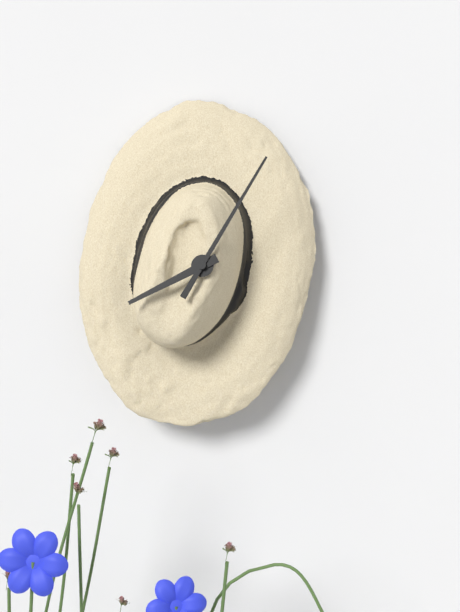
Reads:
8h05
